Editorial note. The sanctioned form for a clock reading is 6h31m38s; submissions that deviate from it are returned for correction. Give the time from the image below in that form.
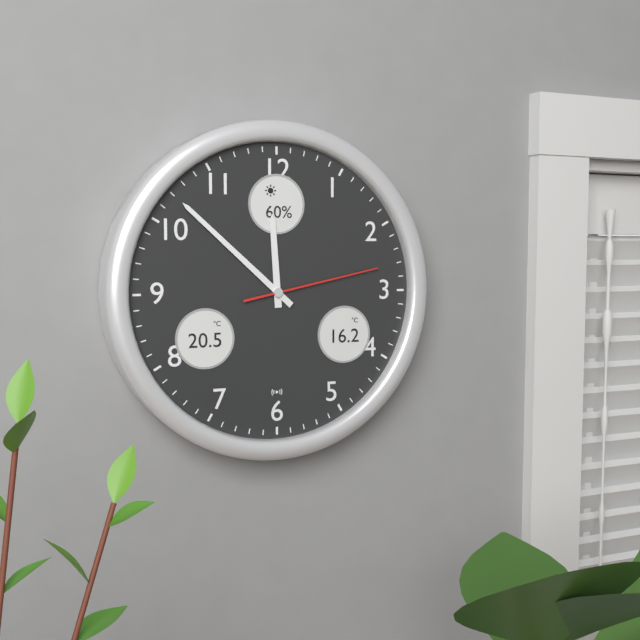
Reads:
11h52m13s
